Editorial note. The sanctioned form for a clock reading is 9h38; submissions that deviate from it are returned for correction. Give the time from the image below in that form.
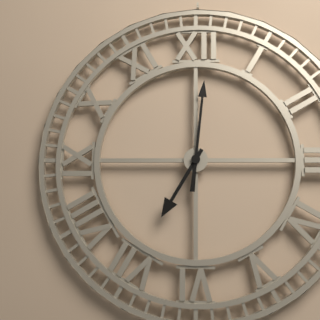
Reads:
7h01
